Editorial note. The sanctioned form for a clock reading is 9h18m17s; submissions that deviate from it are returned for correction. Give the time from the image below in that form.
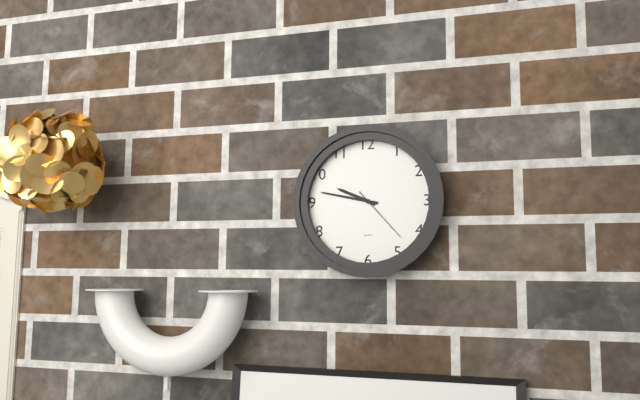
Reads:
9h47m23s
